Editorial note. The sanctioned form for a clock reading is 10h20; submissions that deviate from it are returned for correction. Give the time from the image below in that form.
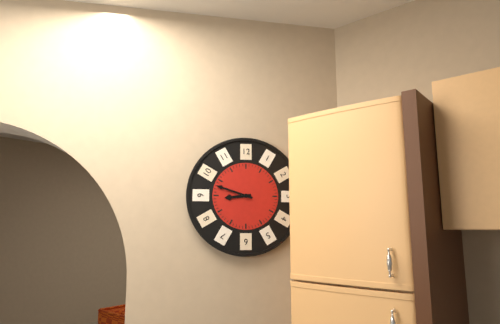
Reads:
8h48
